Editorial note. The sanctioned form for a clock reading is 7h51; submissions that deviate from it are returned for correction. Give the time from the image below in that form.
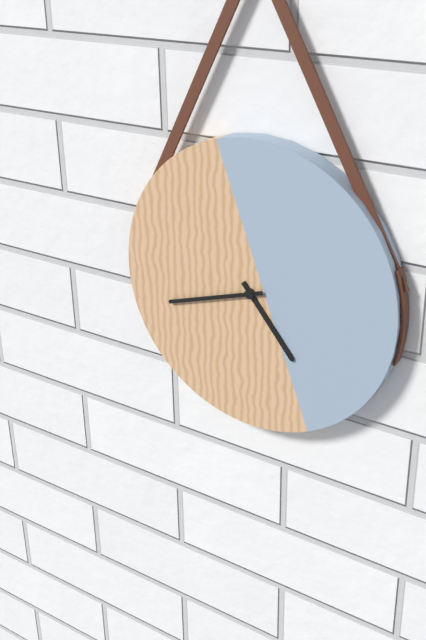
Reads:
4h42
